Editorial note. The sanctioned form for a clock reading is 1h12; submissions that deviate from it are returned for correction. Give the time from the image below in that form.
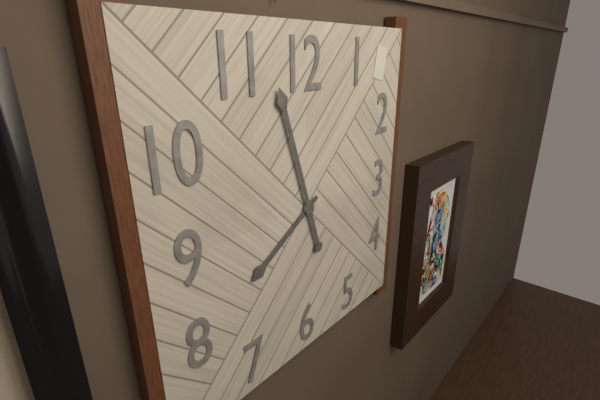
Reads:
7h57
